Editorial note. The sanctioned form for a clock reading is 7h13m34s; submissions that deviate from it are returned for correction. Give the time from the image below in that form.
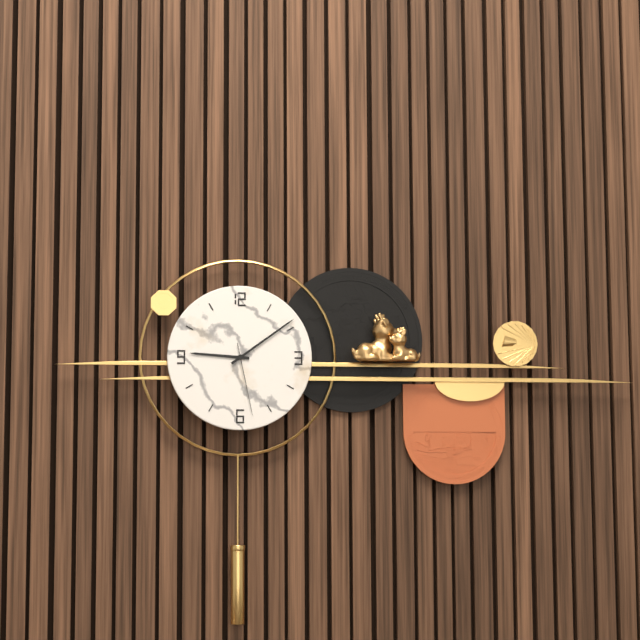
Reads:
9h09m28s
